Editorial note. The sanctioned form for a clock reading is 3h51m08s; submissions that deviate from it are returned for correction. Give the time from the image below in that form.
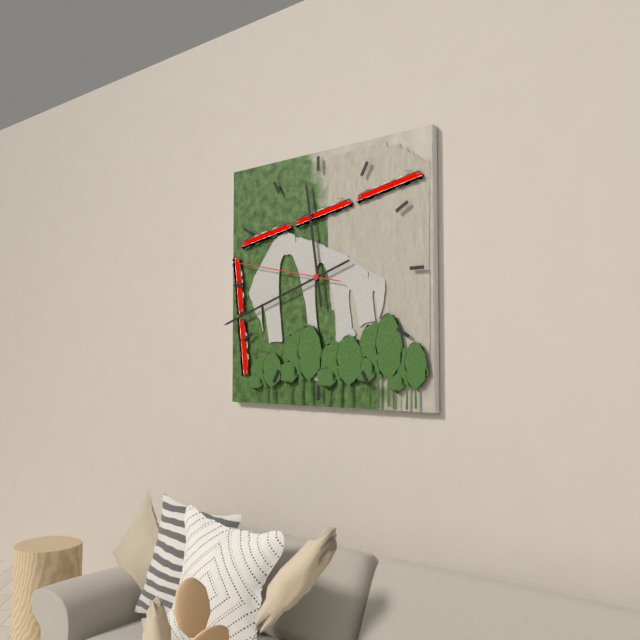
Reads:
11h42m47s
